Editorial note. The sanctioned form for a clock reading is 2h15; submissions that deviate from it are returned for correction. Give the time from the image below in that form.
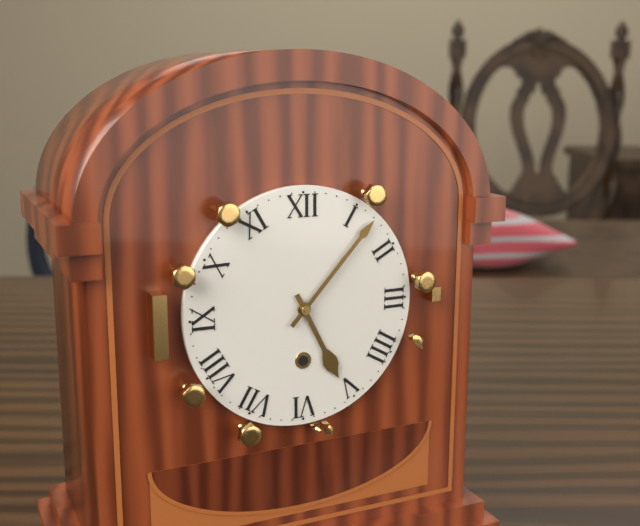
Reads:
5h07
